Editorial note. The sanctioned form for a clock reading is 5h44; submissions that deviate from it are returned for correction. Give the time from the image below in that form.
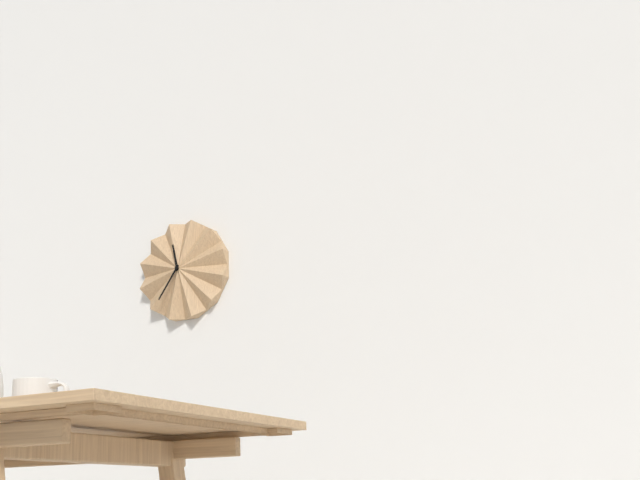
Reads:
11h36
